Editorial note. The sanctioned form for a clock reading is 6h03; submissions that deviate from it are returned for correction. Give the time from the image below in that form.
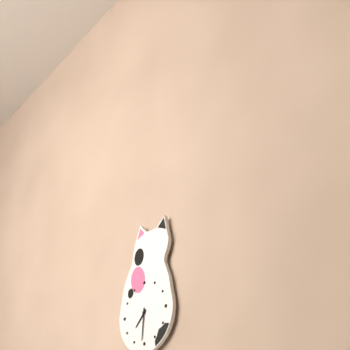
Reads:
7h31
